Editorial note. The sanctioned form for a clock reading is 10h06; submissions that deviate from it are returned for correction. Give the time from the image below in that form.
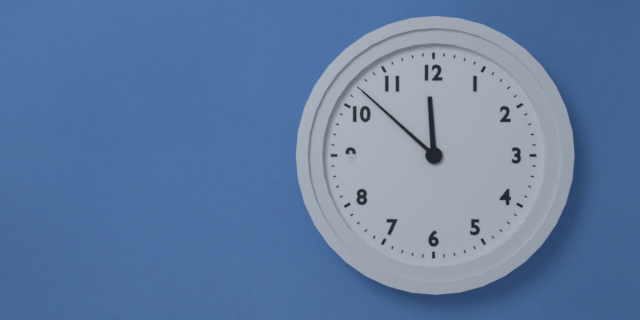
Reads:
11h52
